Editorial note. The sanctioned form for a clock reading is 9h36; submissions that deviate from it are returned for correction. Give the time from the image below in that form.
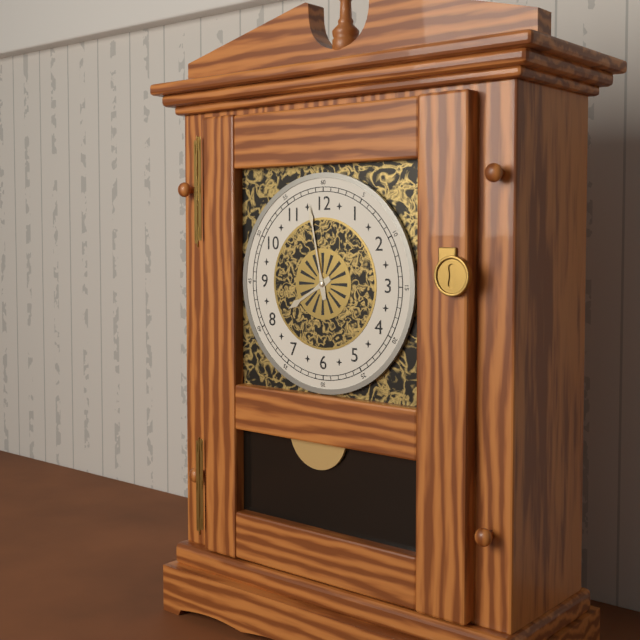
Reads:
7h58
